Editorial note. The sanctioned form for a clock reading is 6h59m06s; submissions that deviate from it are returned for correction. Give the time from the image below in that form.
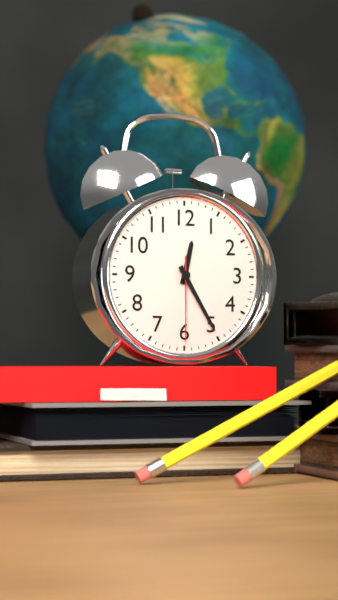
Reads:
12h25m30s
